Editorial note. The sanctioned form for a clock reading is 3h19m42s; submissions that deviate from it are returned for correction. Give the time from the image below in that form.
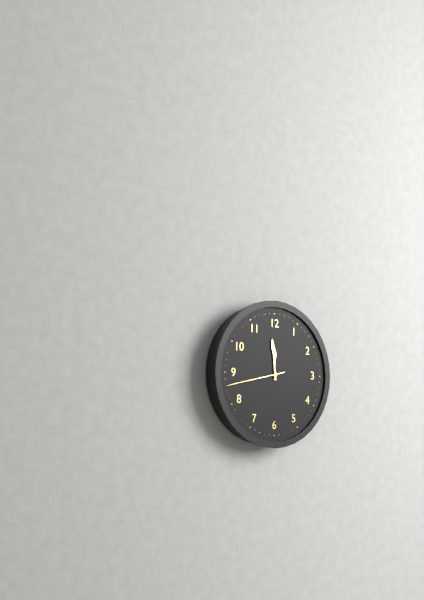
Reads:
11h59m43s
